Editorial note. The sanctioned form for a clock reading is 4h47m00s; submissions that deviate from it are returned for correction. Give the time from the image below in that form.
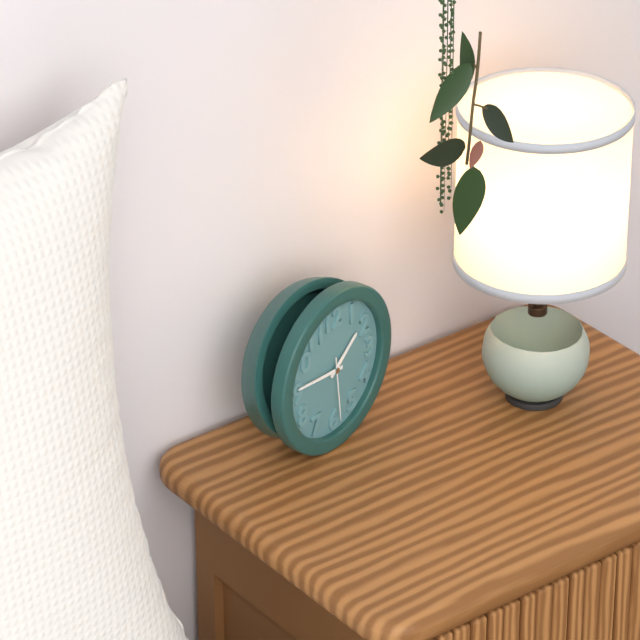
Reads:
1h46m29s
